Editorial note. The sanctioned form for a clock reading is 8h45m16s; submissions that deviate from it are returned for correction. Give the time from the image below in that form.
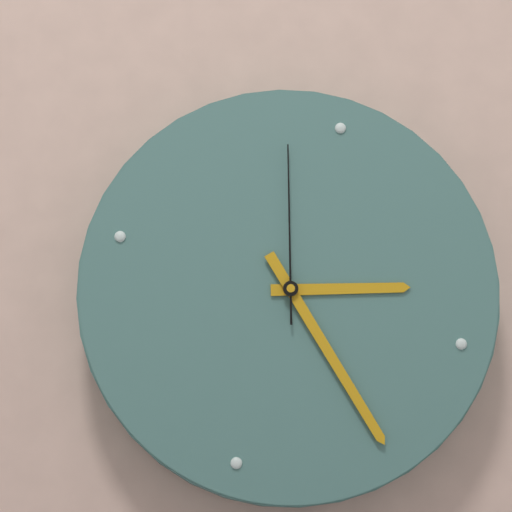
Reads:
2h22m57s
